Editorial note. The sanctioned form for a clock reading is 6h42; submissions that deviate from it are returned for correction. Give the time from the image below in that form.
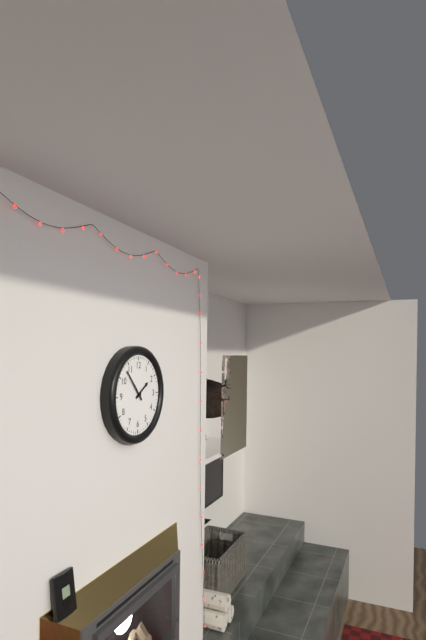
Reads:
1h53
